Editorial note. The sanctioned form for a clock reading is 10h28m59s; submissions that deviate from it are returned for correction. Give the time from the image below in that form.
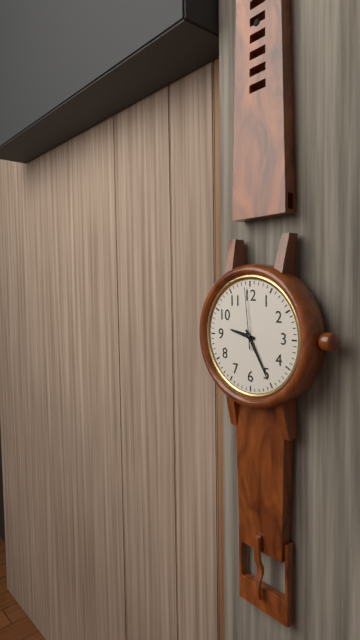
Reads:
9h25m59s
